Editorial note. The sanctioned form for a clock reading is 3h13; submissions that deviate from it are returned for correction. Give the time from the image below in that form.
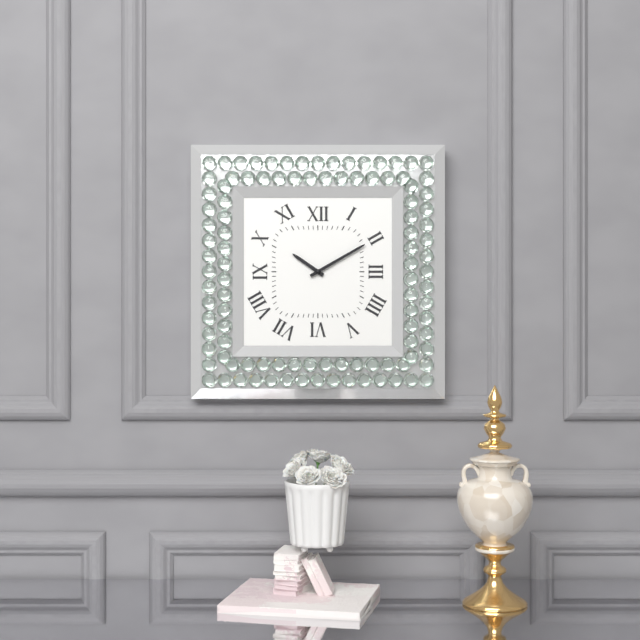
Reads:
10h10
